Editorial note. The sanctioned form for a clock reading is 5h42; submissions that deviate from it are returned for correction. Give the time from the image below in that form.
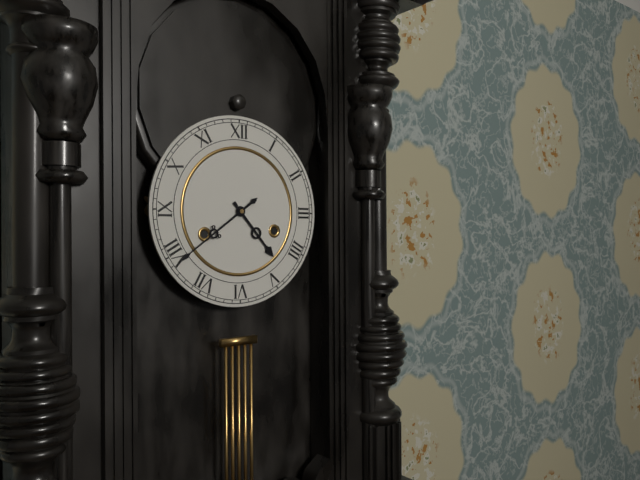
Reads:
4h39
